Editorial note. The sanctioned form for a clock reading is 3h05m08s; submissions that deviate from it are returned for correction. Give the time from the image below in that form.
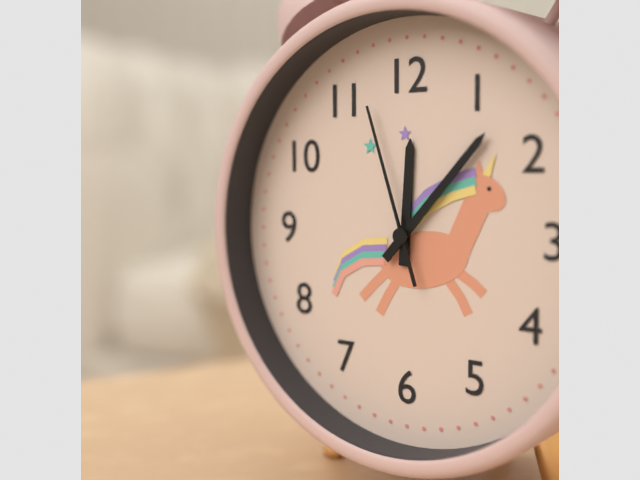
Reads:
12h07m57s
